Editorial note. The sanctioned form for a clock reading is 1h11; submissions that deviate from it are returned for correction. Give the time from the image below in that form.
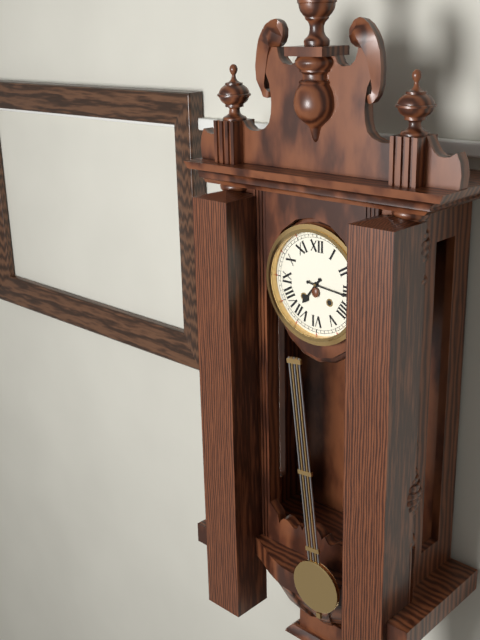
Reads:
7h16
